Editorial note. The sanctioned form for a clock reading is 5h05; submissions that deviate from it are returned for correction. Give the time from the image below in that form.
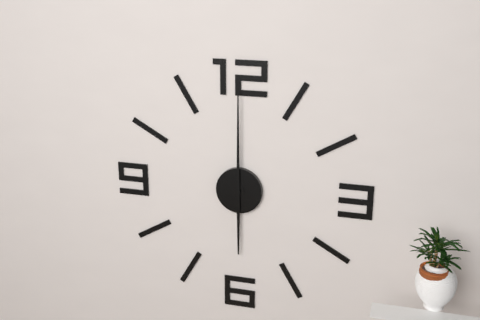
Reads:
6h00
